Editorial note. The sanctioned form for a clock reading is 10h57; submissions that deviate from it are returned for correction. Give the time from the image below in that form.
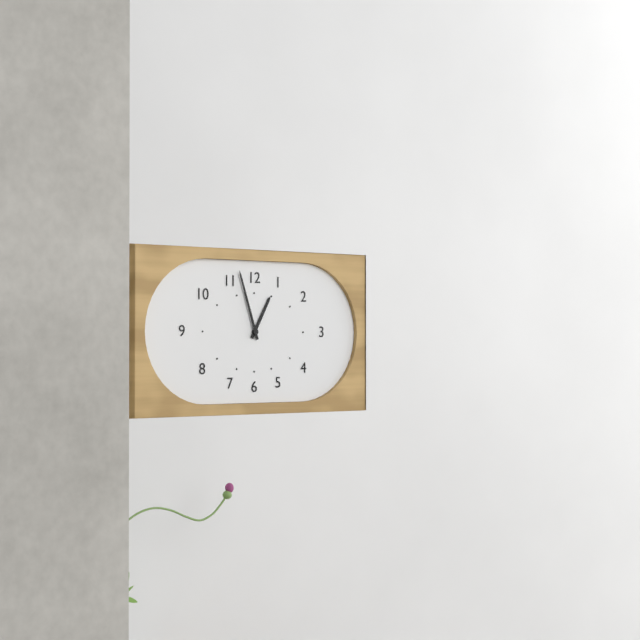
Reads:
12h57
